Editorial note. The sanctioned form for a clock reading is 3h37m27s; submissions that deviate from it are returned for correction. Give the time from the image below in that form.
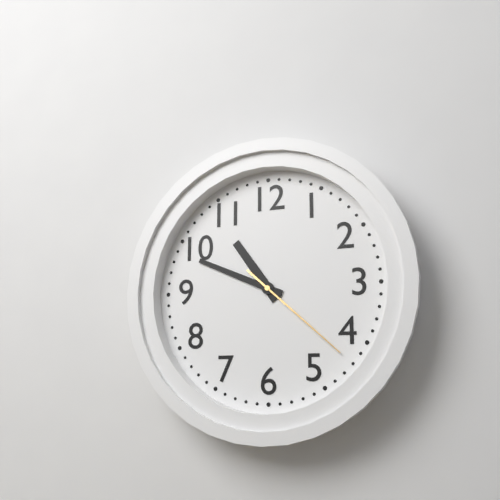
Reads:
10h49m22s
